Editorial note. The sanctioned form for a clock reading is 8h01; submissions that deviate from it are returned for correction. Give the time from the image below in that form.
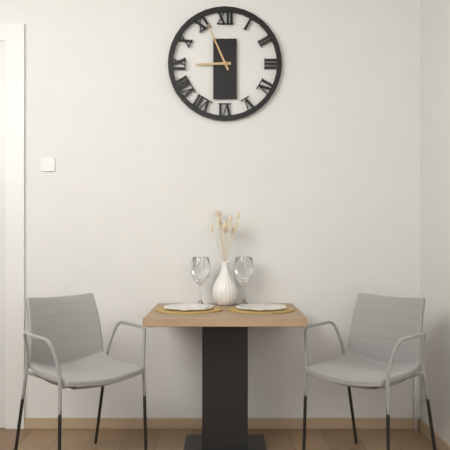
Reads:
8h56
